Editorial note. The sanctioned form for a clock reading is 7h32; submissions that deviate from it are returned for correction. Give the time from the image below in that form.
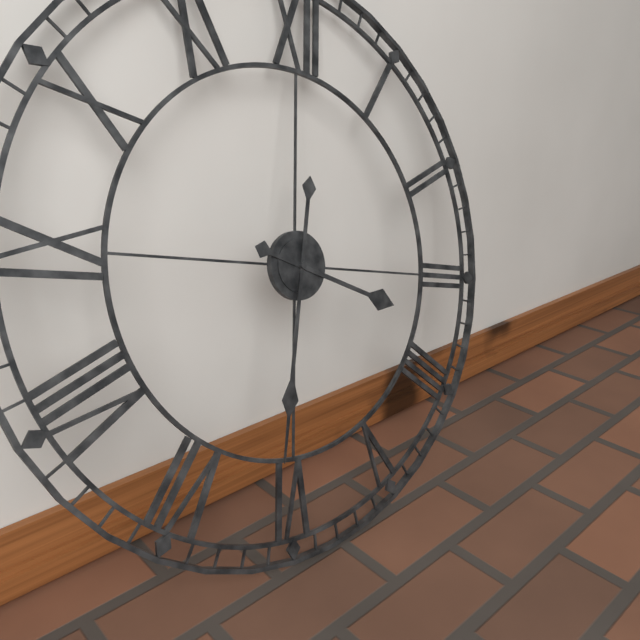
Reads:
3h31
